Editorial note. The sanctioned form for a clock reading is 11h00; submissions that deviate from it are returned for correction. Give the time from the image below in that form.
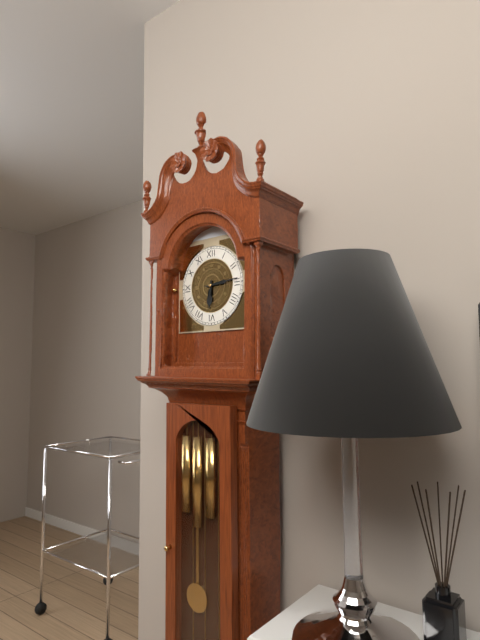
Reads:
6h14
